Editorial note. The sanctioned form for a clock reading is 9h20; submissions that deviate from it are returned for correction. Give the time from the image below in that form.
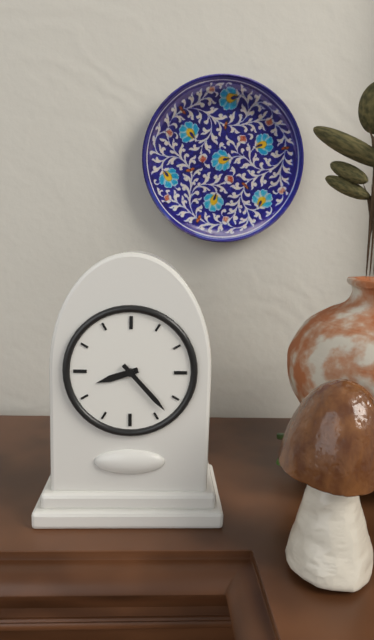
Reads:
8h23
